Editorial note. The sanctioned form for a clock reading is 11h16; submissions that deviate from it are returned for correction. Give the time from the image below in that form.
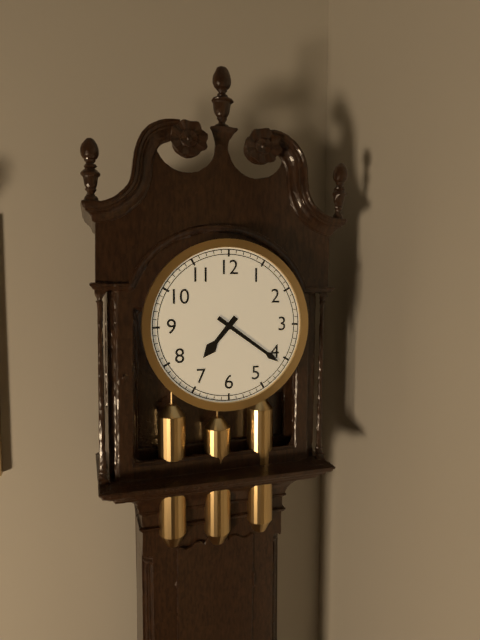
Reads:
7h21
